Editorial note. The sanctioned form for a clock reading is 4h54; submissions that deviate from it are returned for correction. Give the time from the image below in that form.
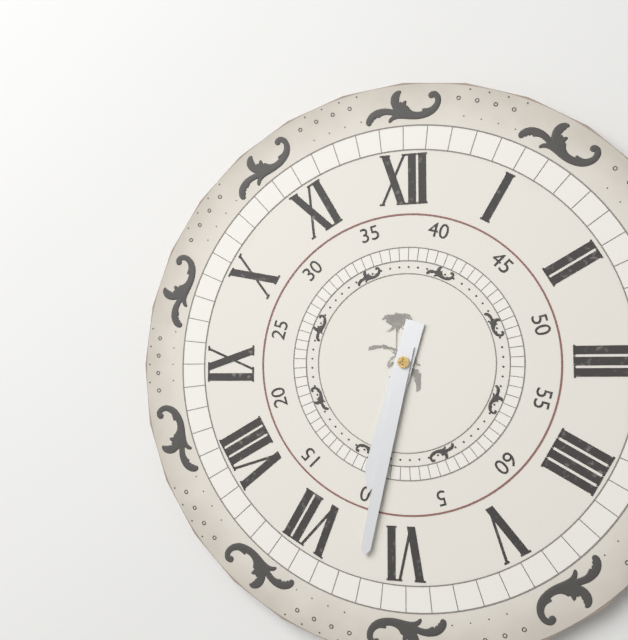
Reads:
6h32
